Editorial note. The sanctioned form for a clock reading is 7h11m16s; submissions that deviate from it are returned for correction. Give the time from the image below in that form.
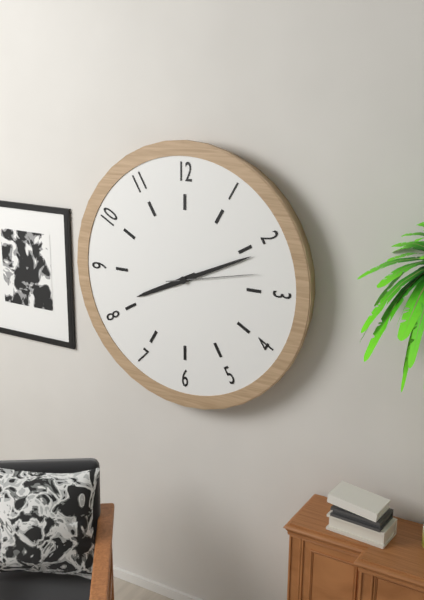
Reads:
8h11m13s
